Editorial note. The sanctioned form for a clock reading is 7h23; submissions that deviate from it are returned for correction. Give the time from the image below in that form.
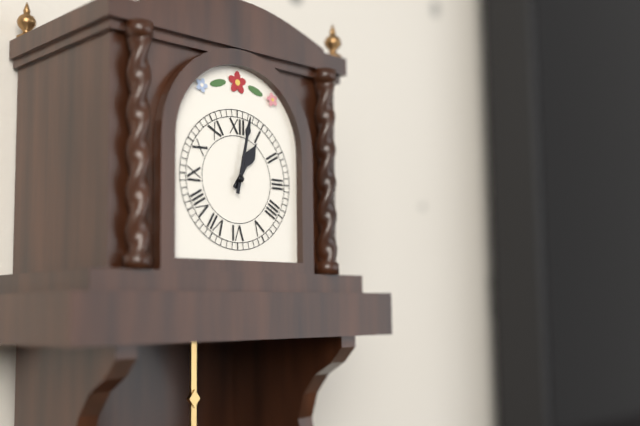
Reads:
1h02
